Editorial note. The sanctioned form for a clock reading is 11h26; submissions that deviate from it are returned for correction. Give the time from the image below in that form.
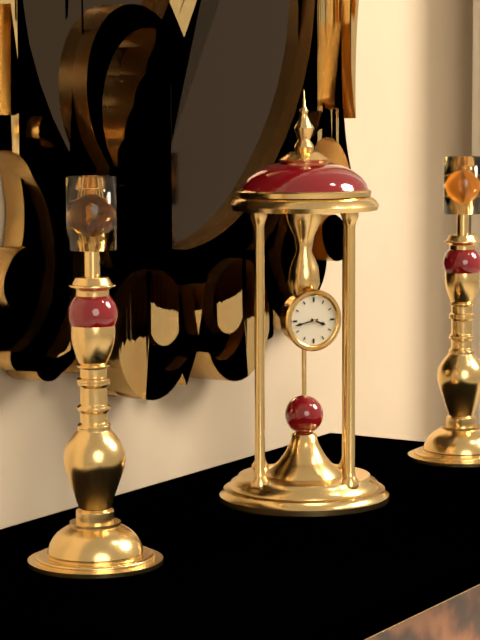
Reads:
3h43
